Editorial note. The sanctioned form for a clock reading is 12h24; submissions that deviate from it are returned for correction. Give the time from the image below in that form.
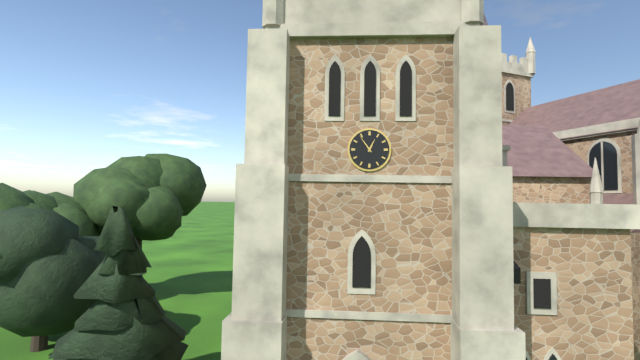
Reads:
12h54
